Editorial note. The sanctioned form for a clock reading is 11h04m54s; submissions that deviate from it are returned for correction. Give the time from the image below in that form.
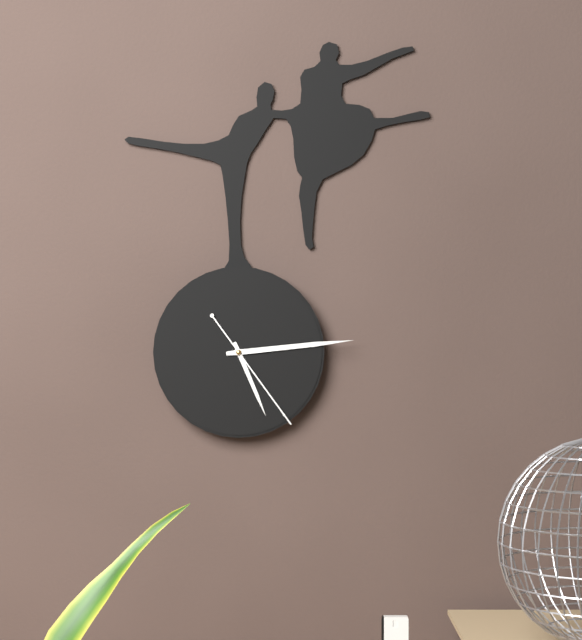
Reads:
5h14m24s
